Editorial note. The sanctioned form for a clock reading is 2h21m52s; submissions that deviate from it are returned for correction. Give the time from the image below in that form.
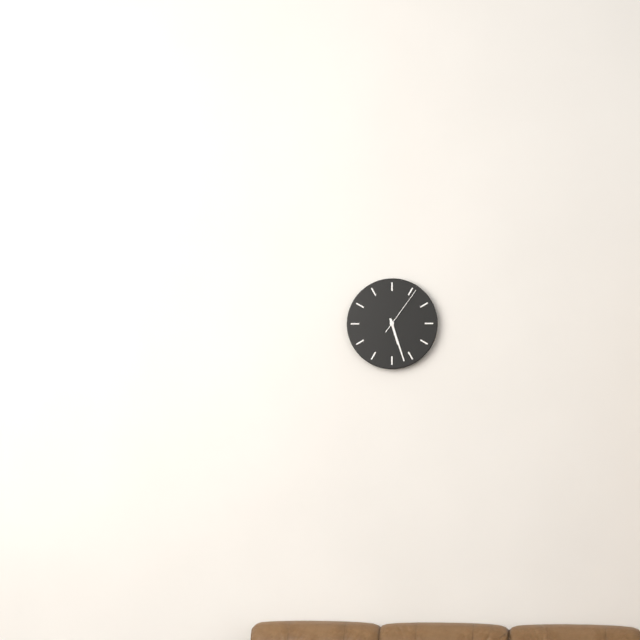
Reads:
5h27m06s
